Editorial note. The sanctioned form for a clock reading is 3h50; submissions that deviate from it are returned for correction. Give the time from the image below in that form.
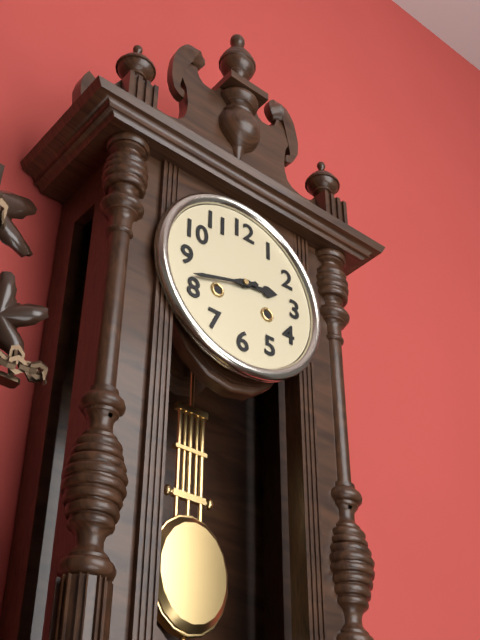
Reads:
2h42
